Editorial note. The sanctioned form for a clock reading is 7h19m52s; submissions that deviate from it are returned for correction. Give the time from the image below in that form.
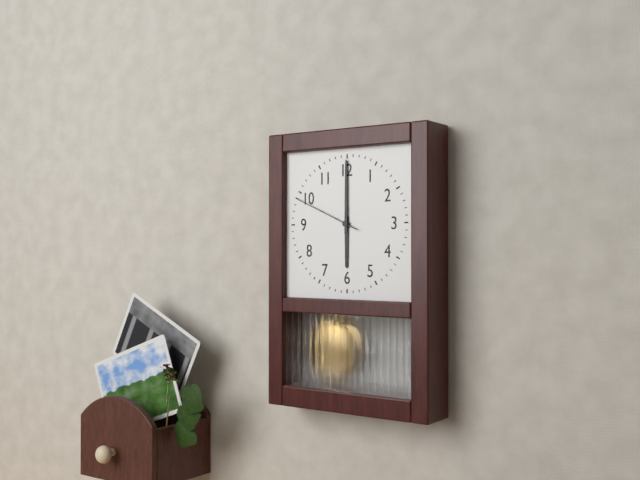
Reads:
6h00m49s
